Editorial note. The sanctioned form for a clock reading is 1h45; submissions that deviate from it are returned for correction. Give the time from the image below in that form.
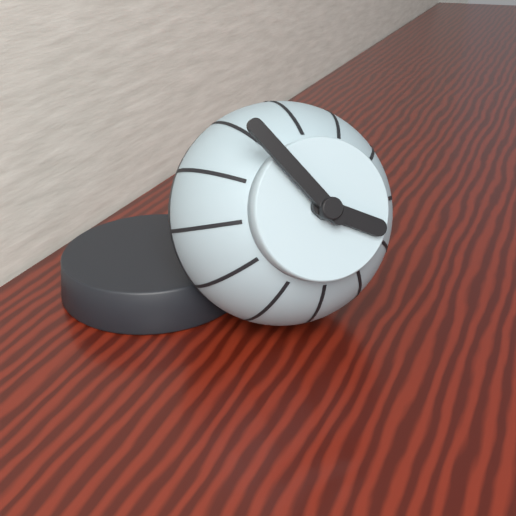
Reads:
3h54
